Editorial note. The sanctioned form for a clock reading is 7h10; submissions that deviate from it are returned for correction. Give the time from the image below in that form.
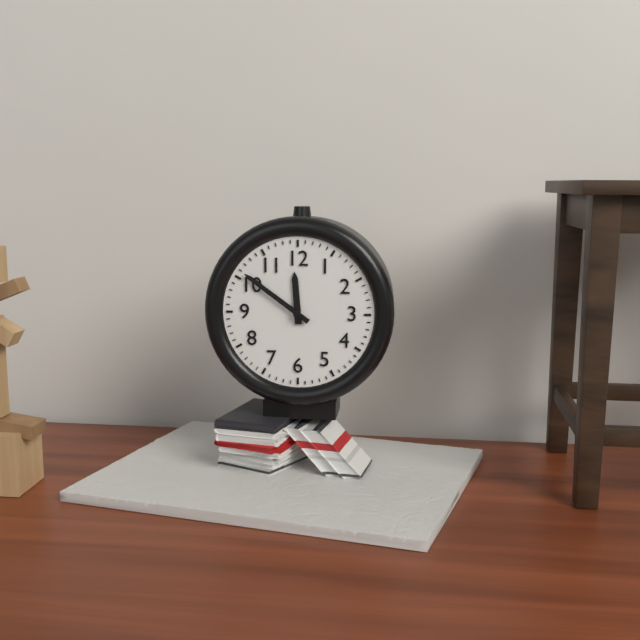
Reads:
11h51
